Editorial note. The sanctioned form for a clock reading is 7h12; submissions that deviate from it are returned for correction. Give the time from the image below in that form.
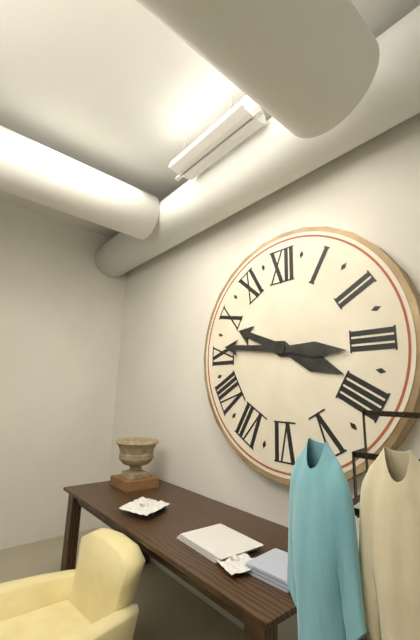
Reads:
9h46
